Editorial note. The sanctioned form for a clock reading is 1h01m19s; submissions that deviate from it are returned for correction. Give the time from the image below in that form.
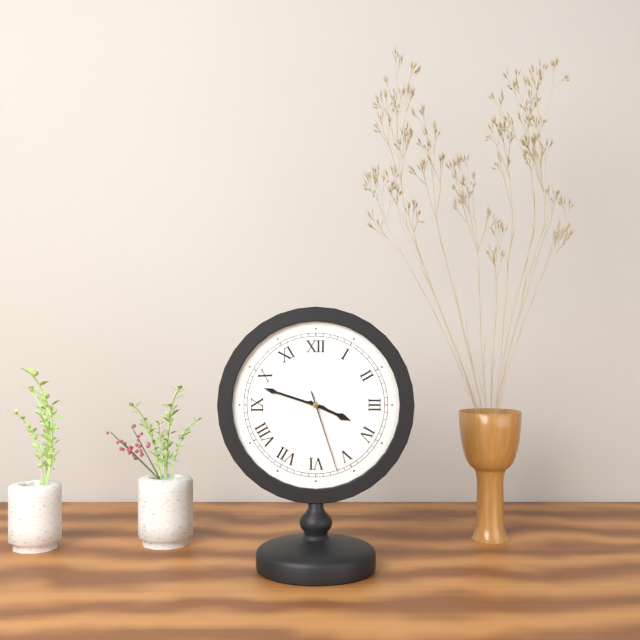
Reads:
3h48m27s
